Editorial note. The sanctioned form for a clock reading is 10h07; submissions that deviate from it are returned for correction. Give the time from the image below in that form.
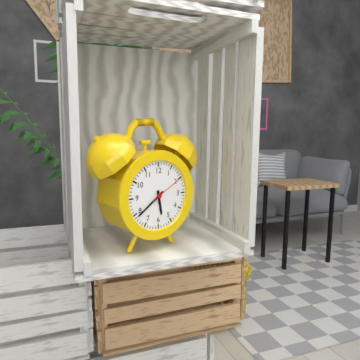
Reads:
5h39
